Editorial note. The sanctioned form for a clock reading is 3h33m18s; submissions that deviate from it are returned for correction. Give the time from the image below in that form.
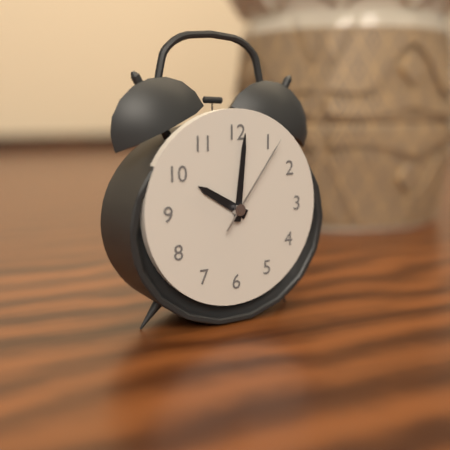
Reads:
10h01m06s
